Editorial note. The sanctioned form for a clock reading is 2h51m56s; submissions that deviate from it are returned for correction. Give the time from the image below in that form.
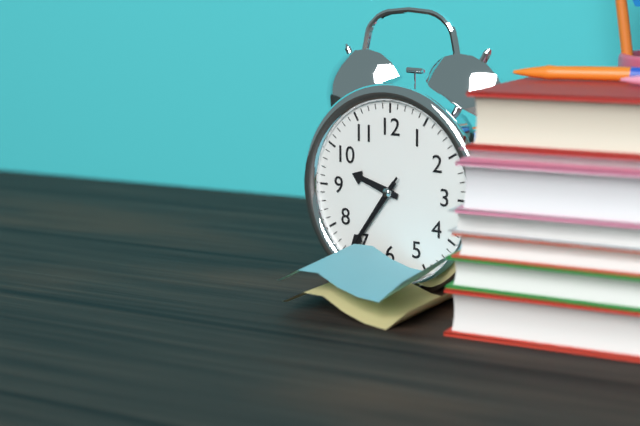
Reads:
9h36m36s
